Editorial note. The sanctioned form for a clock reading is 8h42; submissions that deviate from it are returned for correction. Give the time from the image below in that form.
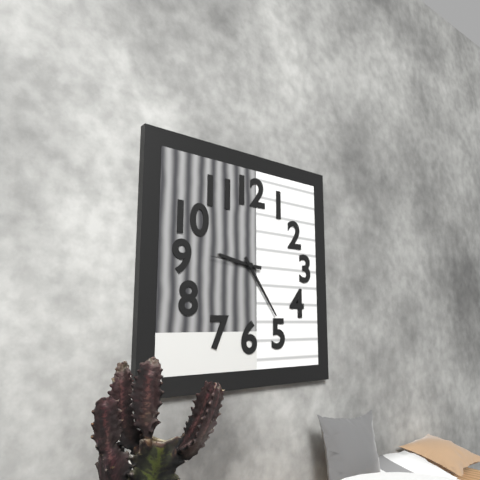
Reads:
9h24
